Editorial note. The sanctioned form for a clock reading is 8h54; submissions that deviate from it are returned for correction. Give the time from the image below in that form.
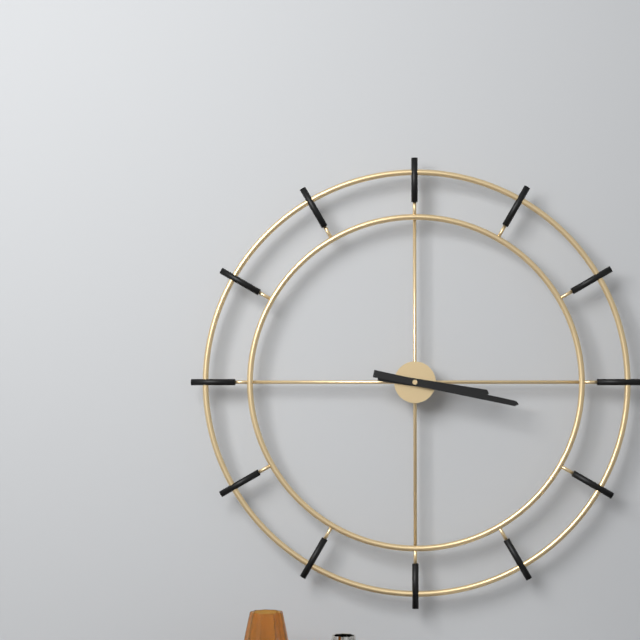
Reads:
3h17
